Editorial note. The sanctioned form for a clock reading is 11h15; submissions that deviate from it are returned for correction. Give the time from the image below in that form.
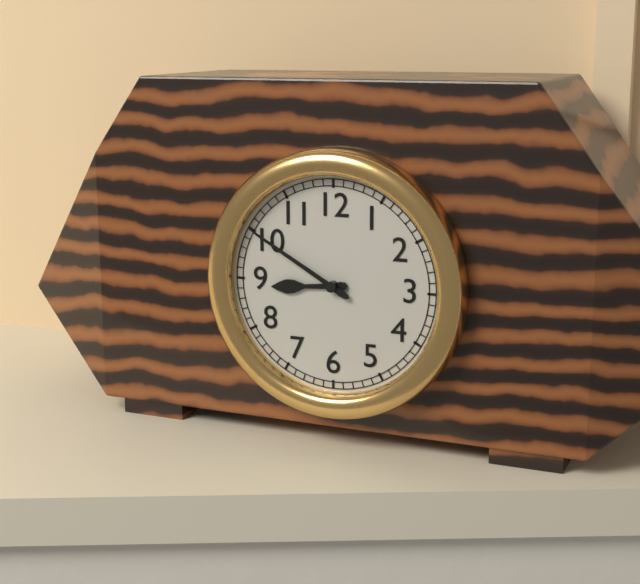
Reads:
8h50
